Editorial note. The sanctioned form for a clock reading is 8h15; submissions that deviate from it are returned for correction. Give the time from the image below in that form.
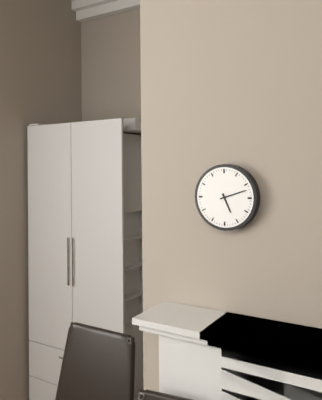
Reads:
5h12
